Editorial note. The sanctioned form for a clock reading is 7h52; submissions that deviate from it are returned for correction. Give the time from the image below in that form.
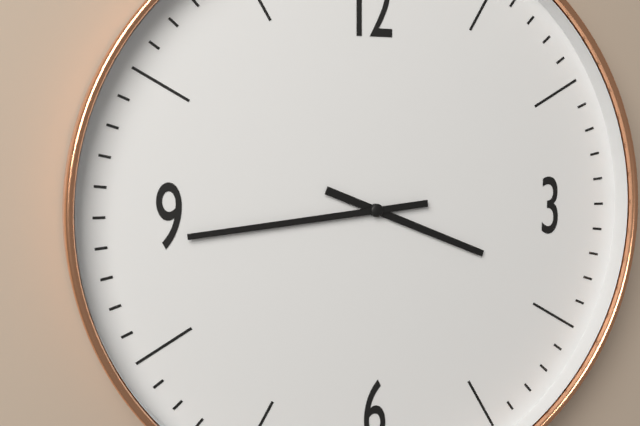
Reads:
3h44
